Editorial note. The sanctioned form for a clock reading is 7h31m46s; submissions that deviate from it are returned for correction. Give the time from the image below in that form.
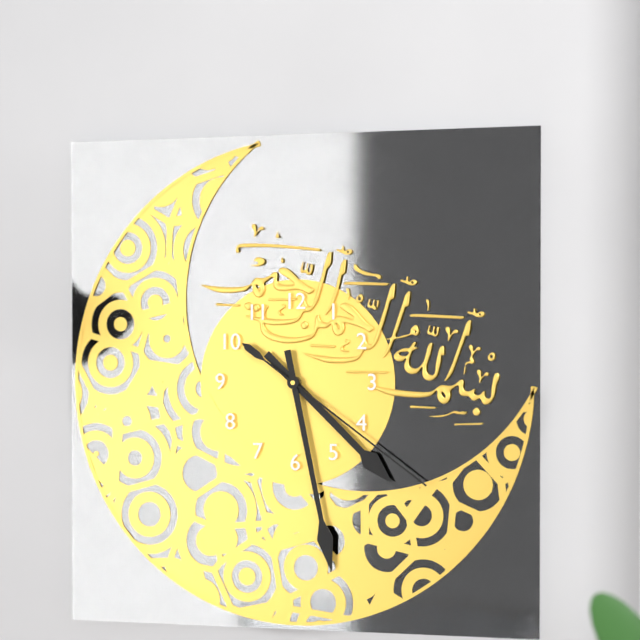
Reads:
4h28m21s
